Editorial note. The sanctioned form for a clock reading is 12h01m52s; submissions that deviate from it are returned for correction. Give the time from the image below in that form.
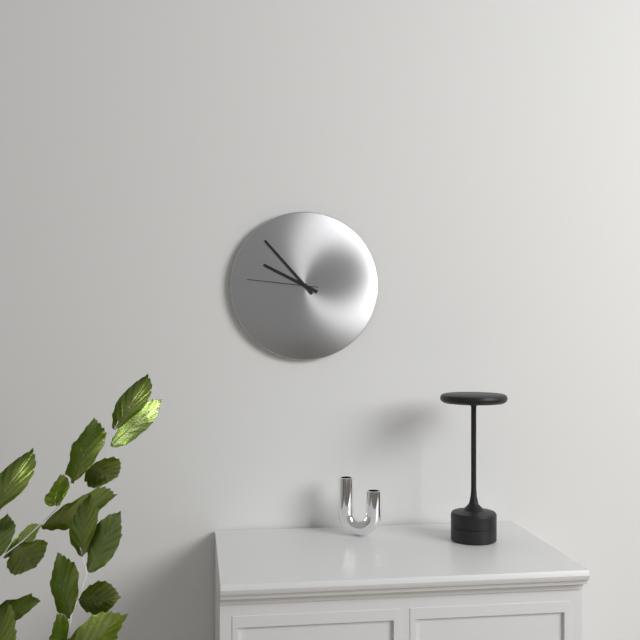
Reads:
9h53m46s
